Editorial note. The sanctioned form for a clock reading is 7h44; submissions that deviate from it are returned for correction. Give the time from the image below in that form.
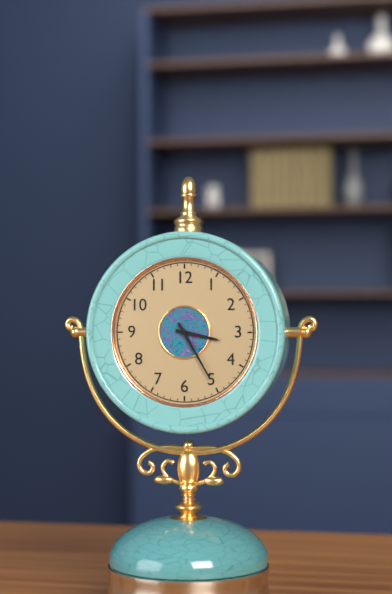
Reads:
3h25
